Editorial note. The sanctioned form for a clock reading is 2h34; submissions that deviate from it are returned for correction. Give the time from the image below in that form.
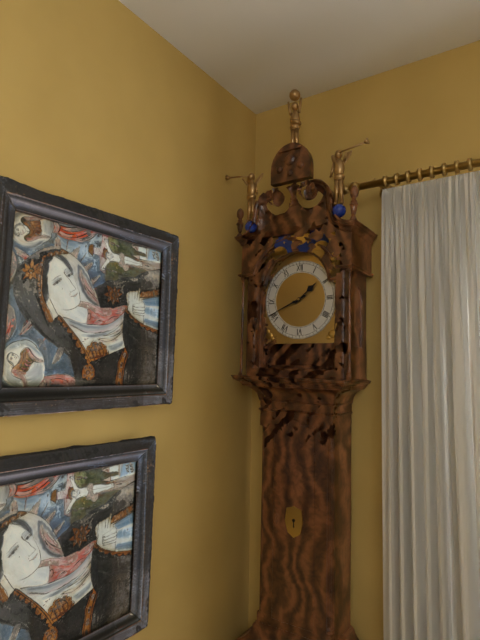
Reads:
1h41
